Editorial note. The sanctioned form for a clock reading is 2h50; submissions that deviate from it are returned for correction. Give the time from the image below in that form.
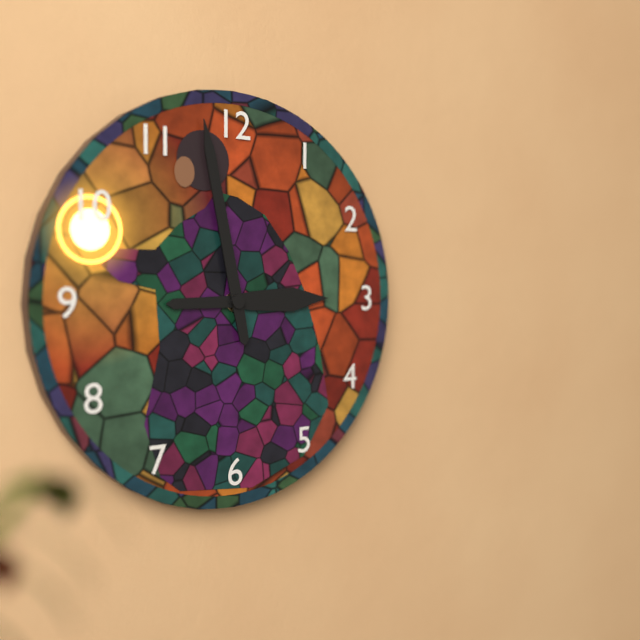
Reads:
2h58
